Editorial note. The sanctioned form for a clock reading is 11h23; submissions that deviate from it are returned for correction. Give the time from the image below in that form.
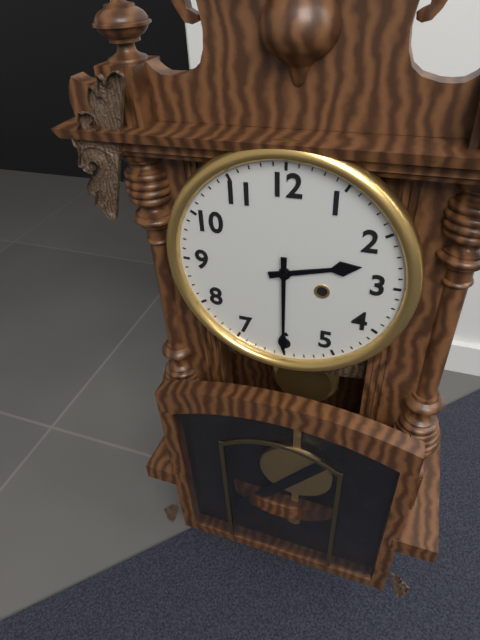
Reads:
2h30
